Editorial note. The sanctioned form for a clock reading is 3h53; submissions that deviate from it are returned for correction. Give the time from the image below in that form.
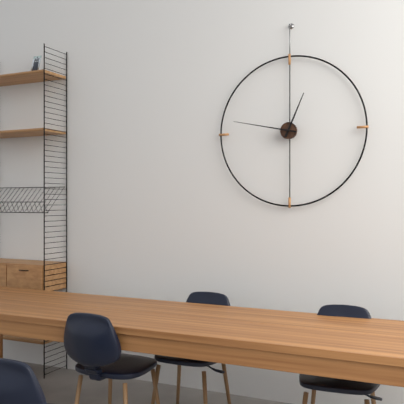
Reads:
12h47
